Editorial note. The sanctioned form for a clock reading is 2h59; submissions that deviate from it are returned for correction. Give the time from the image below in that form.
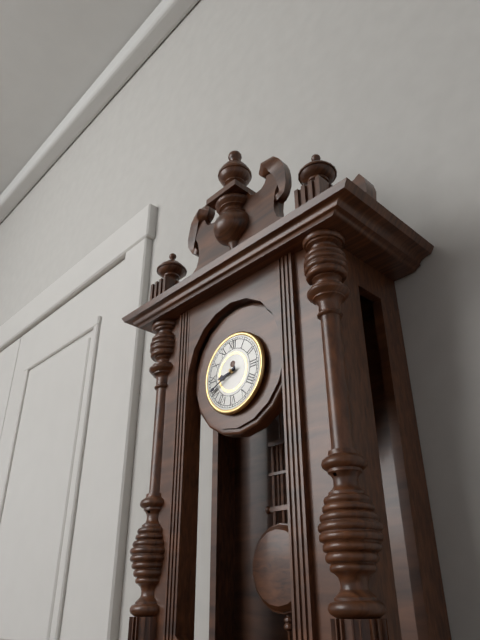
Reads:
8h41
